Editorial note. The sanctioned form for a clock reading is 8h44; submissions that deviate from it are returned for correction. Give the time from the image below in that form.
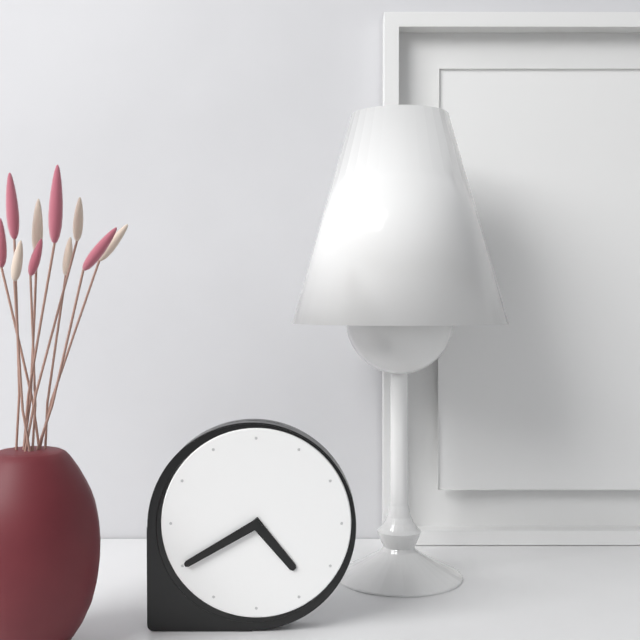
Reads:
4h40
